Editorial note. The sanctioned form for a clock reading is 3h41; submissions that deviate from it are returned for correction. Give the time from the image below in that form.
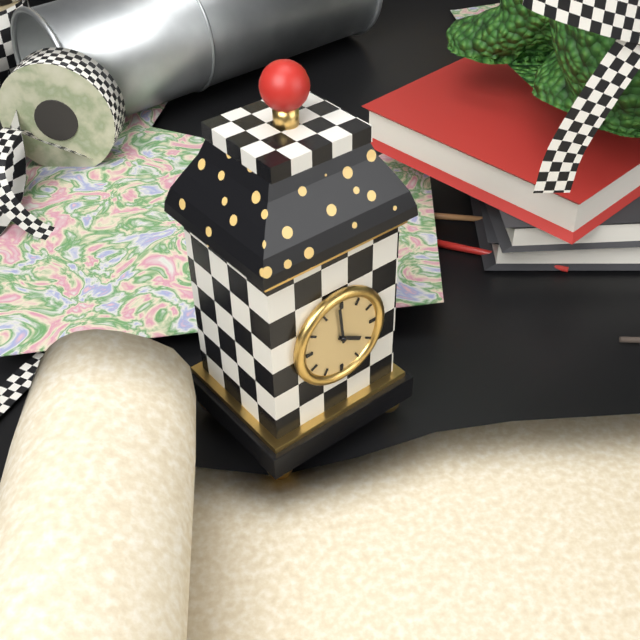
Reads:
3h59
